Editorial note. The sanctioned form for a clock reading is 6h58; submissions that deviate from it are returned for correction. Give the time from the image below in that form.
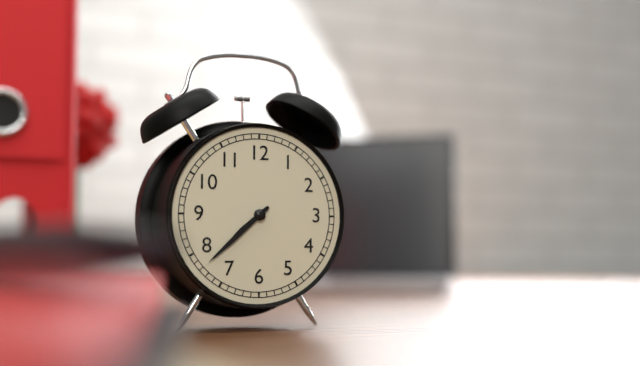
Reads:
7h38
